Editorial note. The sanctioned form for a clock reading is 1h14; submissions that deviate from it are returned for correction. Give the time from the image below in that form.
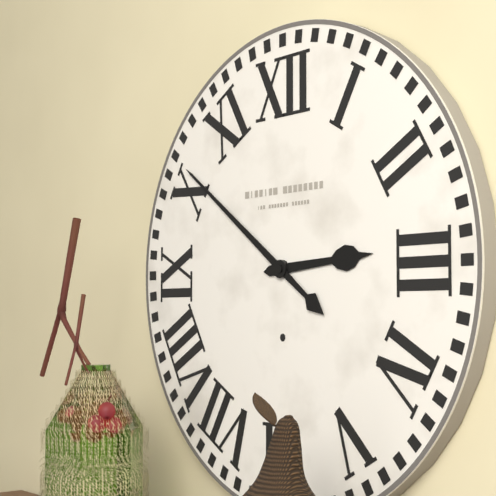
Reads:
2h51
